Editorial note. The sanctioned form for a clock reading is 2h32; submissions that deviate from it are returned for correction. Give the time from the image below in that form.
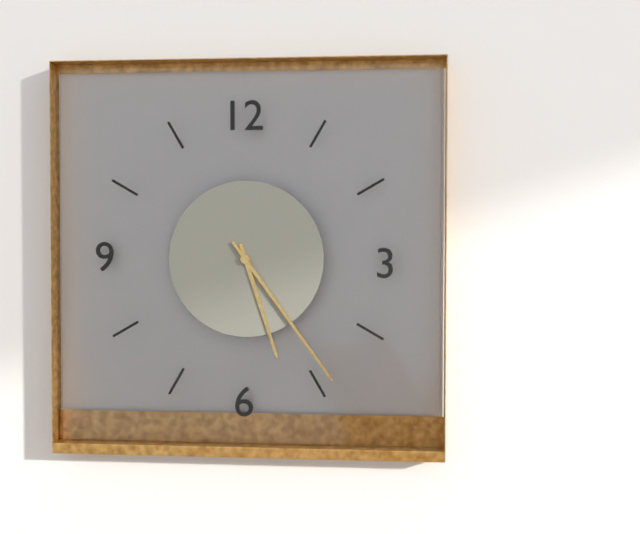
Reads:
5h24
